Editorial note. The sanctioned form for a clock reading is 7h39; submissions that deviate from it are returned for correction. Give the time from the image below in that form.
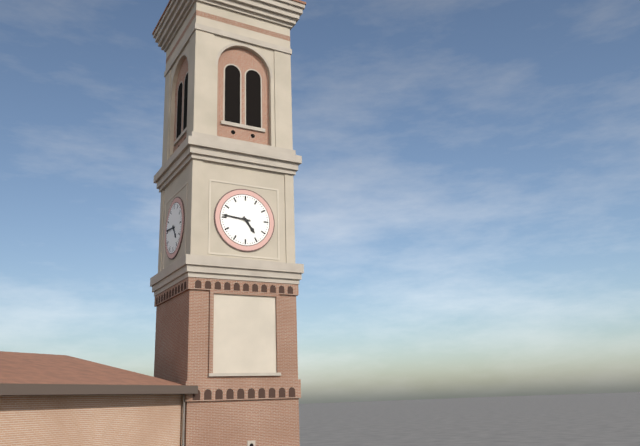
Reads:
4h46
